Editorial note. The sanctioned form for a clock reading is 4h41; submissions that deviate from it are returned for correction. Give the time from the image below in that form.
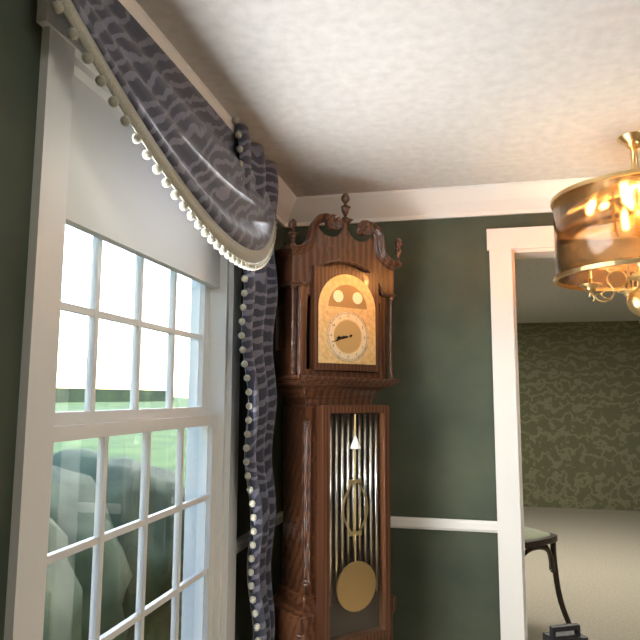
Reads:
8h42
